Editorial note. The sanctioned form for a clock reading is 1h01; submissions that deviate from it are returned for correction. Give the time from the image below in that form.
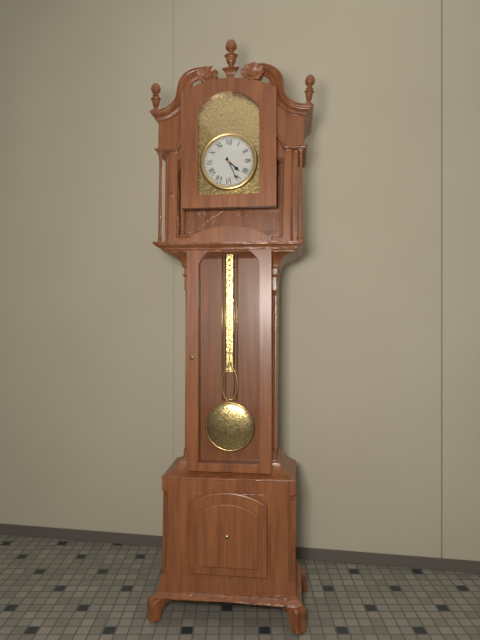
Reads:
4h26
